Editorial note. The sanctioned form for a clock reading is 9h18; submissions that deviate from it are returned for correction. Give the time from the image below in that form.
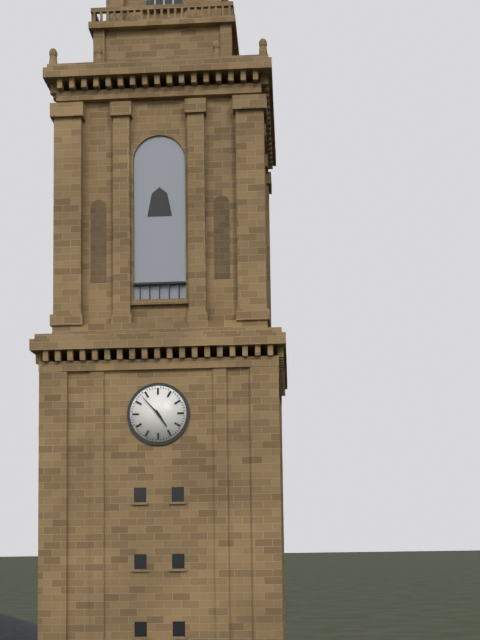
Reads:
4h53
